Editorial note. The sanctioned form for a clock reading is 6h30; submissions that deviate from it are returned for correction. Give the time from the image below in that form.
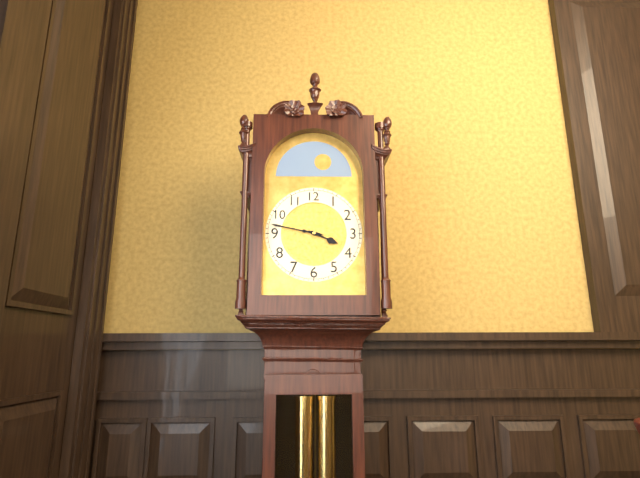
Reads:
3h47
